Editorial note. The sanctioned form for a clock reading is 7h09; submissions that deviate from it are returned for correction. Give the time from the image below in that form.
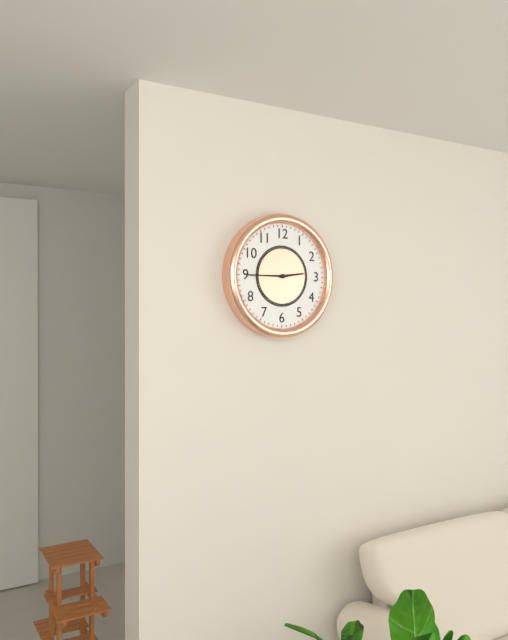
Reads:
2h45
